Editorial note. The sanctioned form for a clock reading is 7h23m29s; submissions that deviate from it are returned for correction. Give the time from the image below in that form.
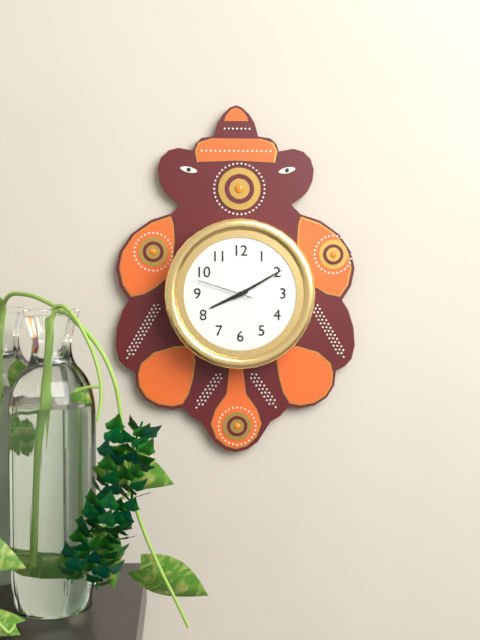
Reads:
8h10m48s
